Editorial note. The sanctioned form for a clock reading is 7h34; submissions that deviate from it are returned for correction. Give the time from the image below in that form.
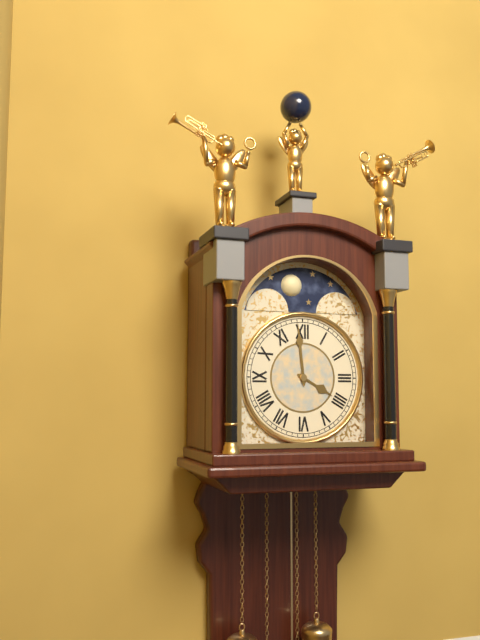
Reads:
3h59
